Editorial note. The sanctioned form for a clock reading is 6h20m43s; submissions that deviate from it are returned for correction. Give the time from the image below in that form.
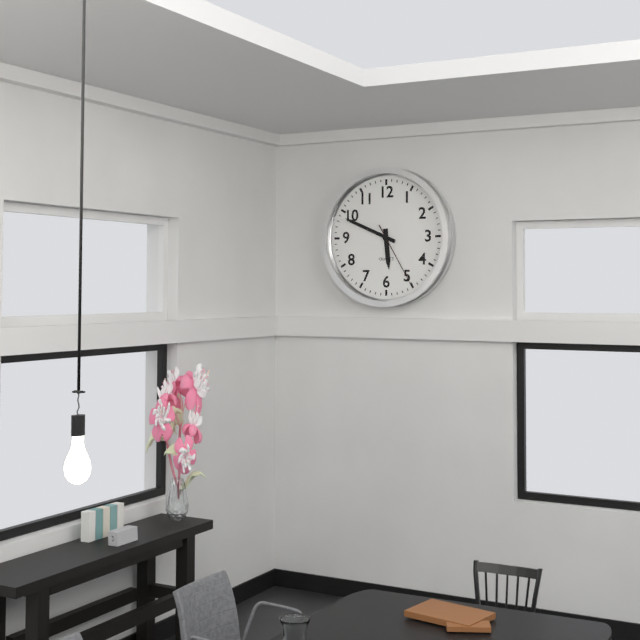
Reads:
5h49m25s
